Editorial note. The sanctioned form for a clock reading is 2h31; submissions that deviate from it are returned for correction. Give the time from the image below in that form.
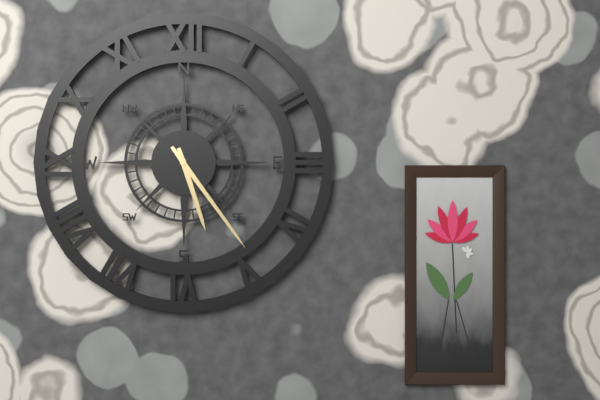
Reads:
5h24
